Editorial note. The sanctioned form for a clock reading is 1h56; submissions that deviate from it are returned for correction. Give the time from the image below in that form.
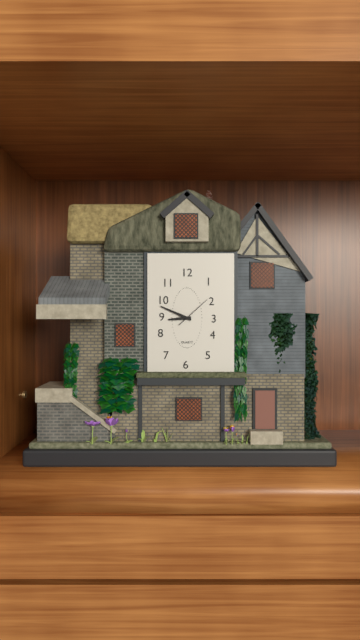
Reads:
8h49
